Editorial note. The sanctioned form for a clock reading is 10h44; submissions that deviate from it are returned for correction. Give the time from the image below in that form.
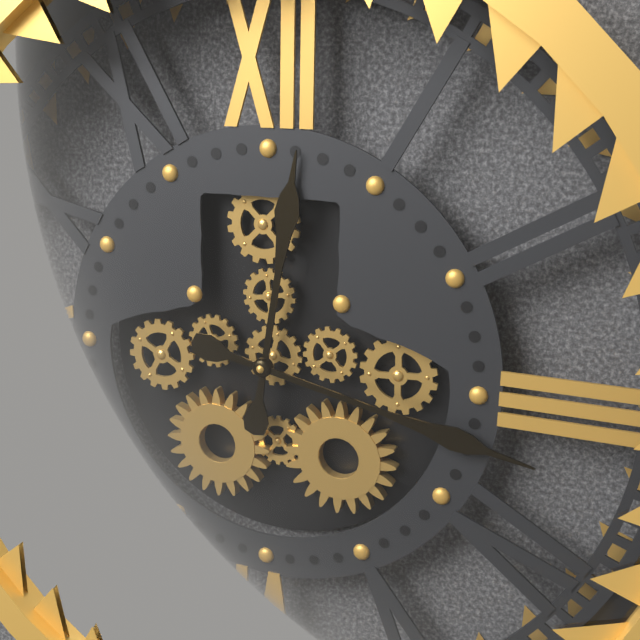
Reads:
12h17
